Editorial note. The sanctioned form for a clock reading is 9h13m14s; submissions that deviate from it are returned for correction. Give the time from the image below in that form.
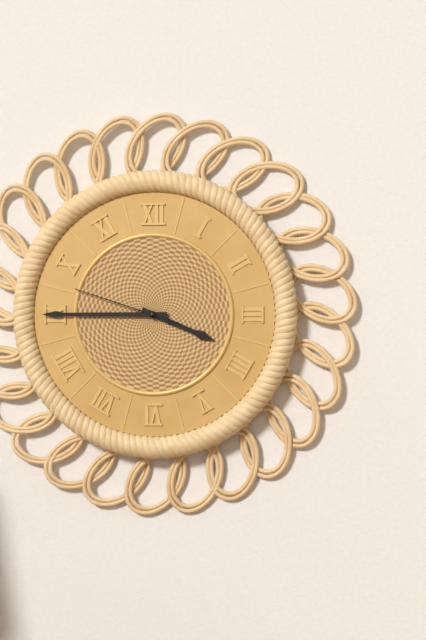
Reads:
3h45m48s
